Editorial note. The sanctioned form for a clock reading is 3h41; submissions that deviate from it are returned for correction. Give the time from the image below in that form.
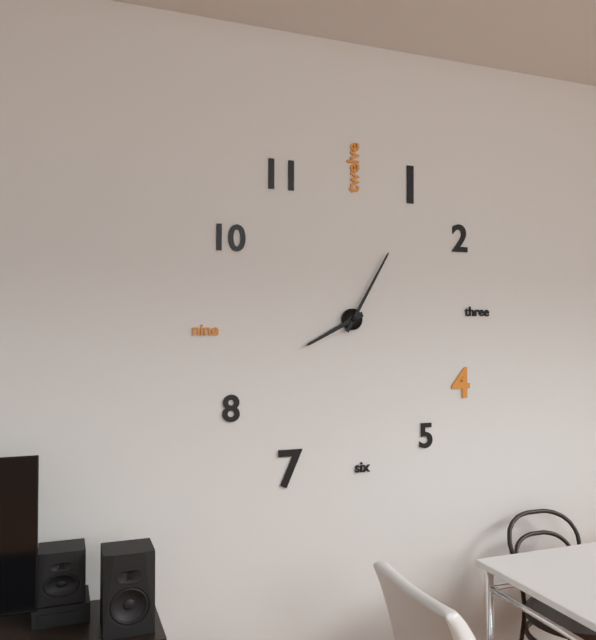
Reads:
8h05
